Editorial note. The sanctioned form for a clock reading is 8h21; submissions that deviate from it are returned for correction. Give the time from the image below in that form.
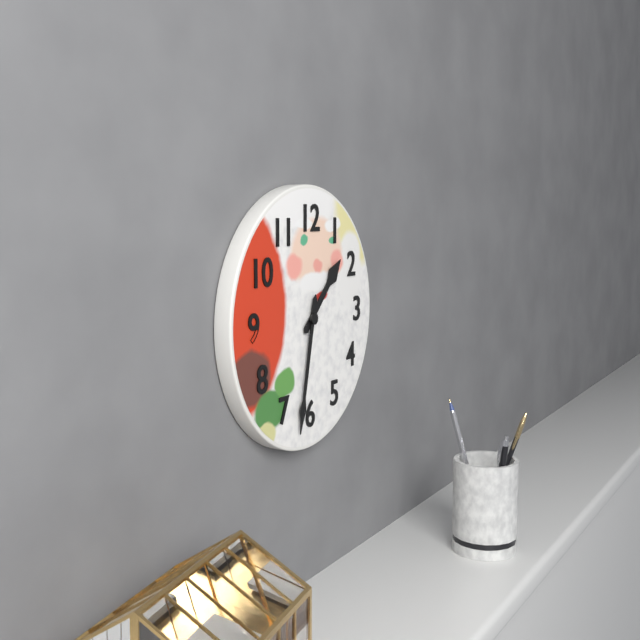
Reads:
1h32
